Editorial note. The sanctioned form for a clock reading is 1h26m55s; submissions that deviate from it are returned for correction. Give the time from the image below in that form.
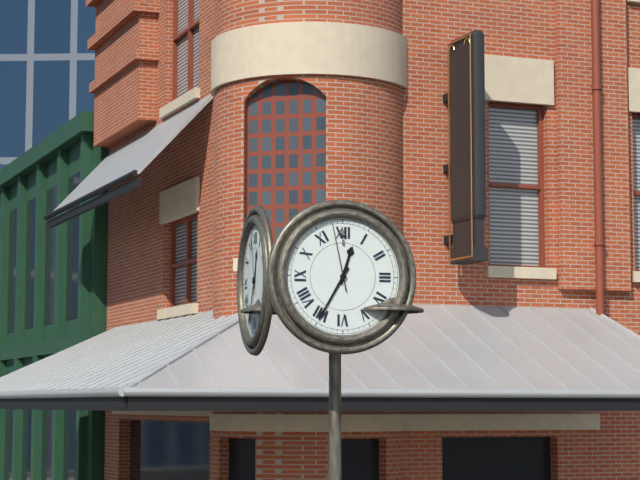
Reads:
12h35m58s
